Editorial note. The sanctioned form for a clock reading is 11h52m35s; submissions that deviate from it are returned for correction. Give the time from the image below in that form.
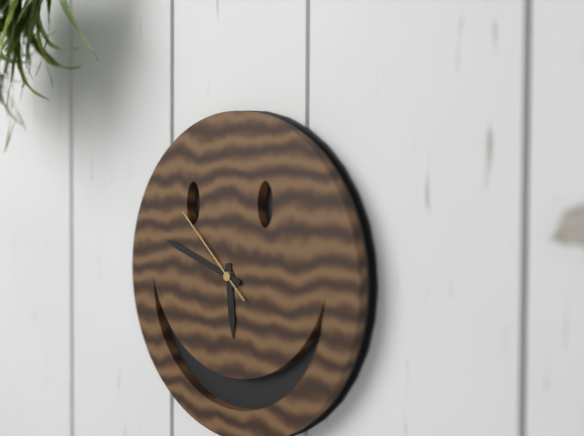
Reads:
5h48m52s
